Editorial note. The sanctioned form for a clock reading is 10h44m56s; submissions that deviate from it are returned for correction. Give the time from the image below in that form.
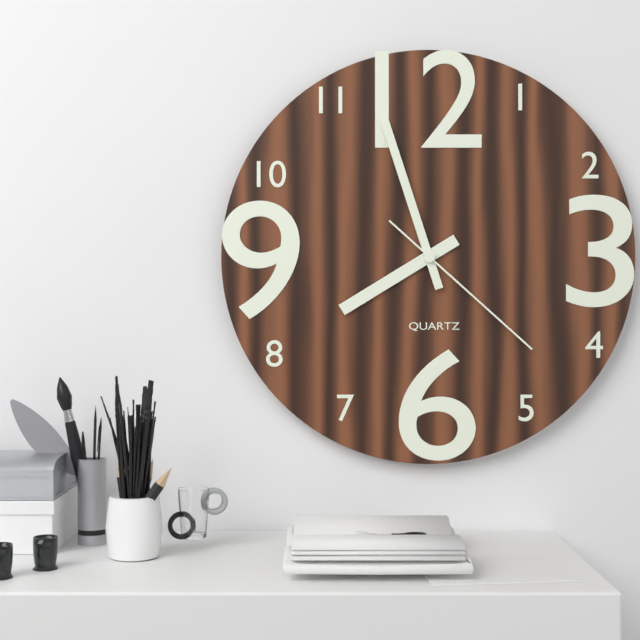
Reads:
7h57m22s
